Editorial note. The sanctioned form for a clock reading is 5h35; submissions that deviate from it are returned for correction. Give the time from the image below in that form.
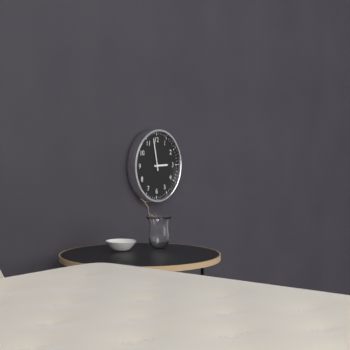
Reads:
2h58
